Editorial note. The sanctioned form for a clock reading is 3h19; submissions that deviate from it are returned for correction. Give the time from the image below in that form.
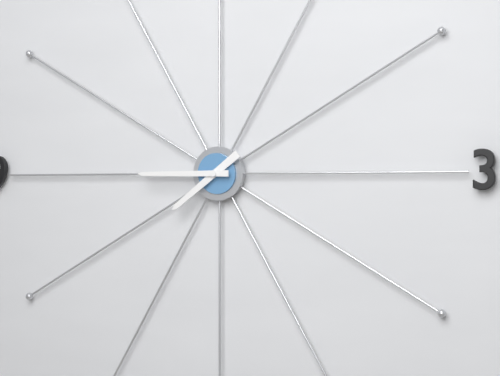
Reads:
7h45
